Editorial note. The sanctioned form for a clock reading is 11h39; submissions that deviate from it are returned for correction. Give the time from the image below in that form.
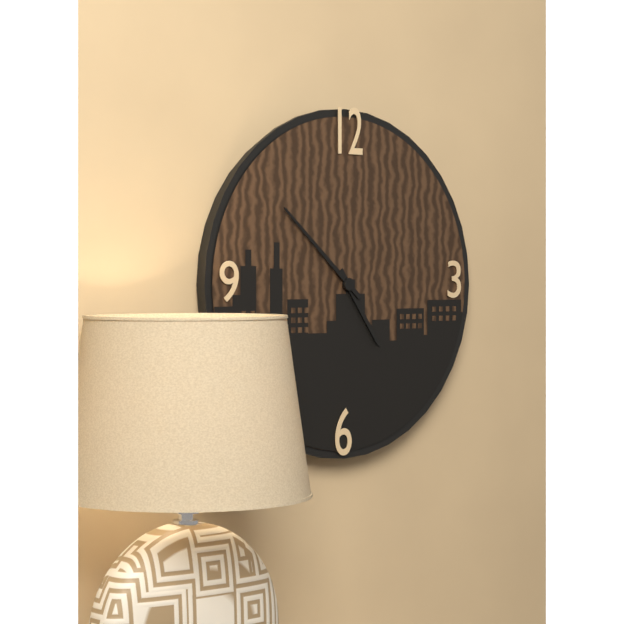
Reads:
4h52
